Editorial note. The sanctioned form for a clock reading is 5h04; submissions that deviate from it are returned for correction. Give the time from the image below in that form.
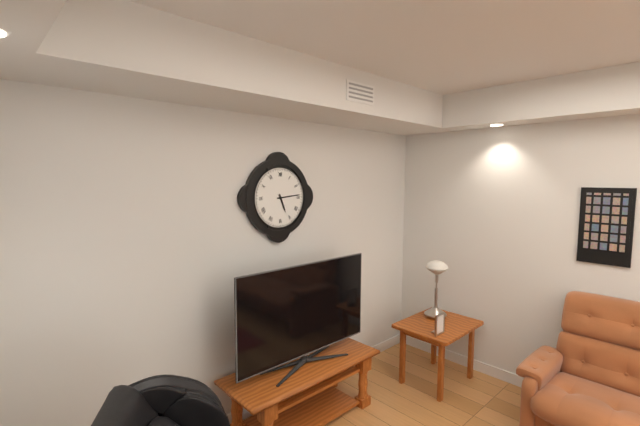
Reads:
5h14
